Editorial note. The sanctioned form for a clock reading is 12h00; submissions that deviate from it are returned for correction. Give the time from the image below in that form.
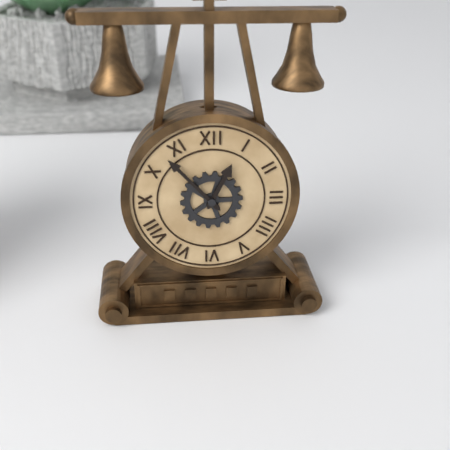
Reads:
12h53
